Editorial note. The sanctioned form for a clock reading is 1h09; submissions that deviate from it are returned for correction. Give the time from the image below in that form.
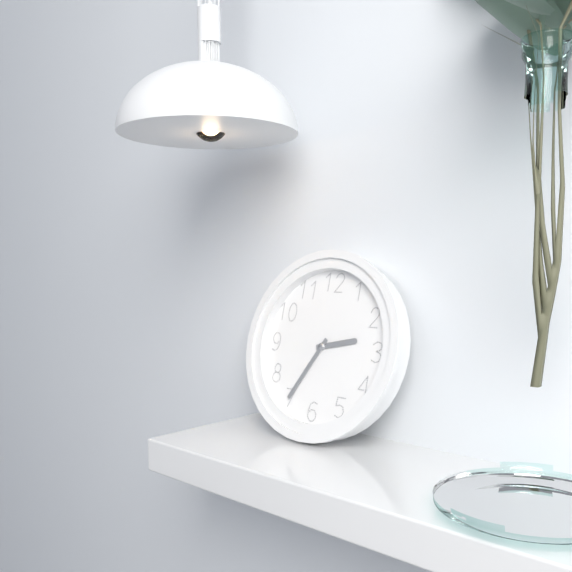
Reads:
2h35
